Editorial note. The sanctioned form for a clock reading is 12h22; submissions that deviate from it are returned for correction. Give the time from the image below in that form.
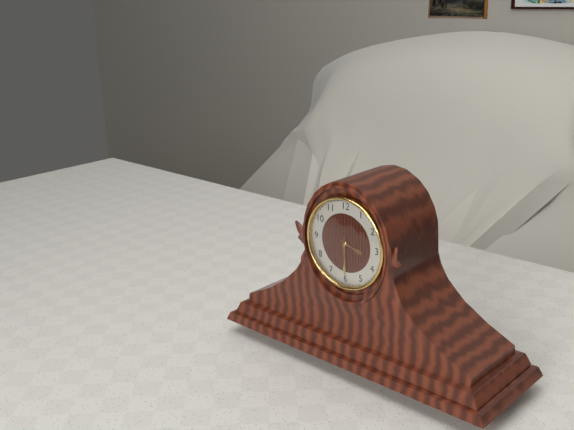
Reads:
3h30
